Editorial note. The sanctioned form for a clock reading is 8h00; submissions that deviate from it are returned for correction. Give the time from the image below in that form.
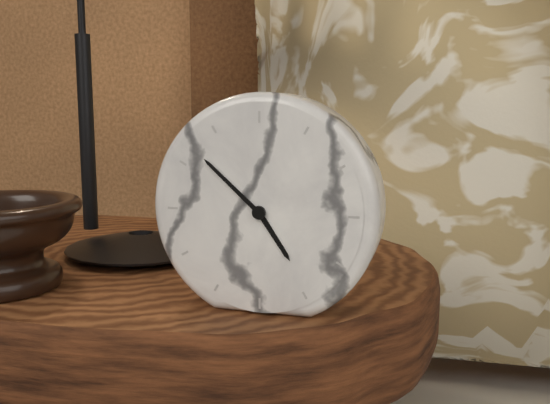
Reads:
4h52
